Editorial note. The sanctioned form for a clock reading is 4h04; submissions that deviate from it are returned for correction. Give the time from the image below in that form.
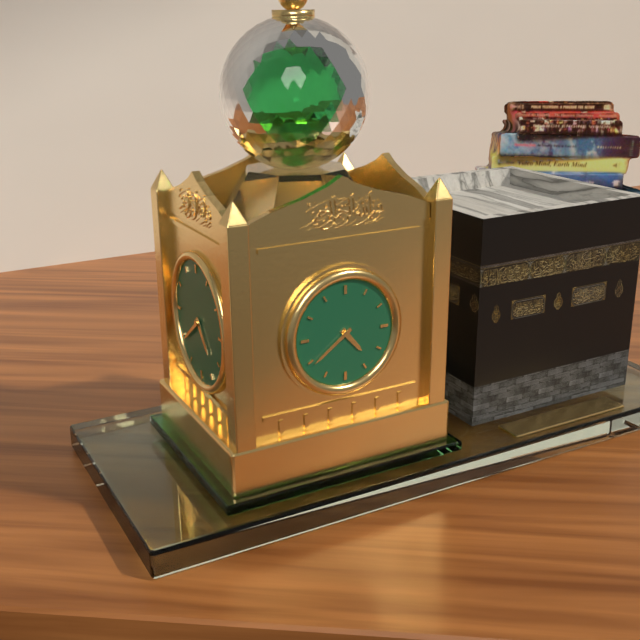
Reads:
4h39
